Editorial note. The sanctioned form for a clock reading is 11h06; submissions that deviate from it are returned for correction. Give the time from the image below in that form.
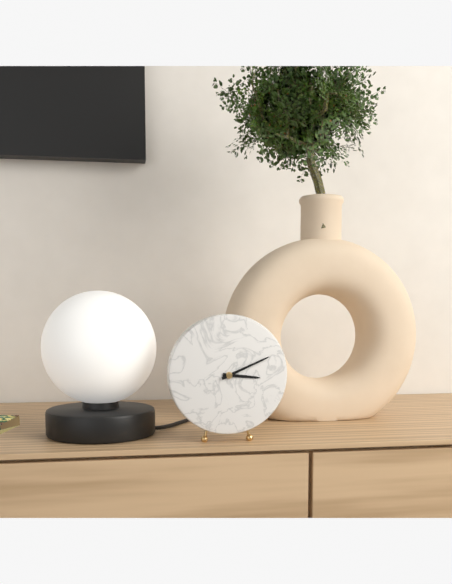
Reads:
3h11
